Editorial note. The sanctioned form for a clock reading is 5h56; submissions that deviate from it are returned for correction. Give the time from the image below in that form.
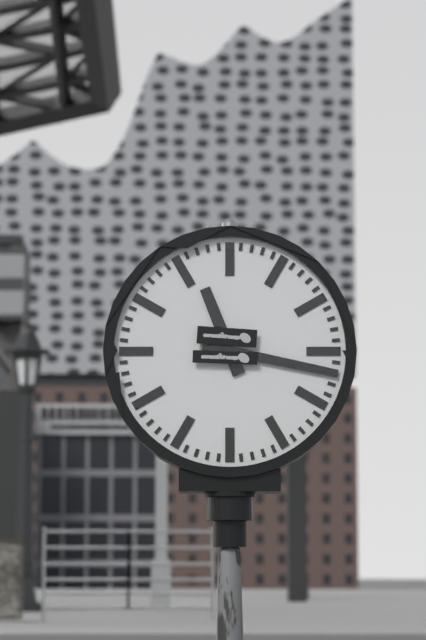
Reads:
11h17
